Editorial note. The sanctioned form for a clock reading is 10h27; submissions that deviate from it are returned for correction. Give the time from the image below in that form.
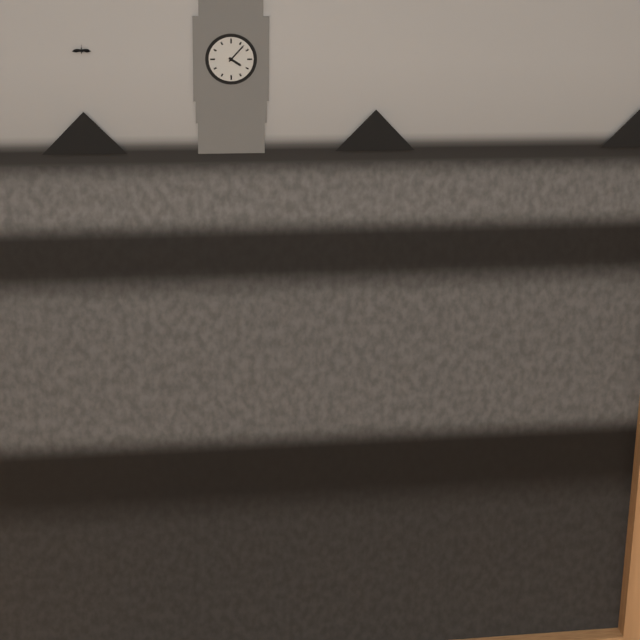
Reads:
4h07
